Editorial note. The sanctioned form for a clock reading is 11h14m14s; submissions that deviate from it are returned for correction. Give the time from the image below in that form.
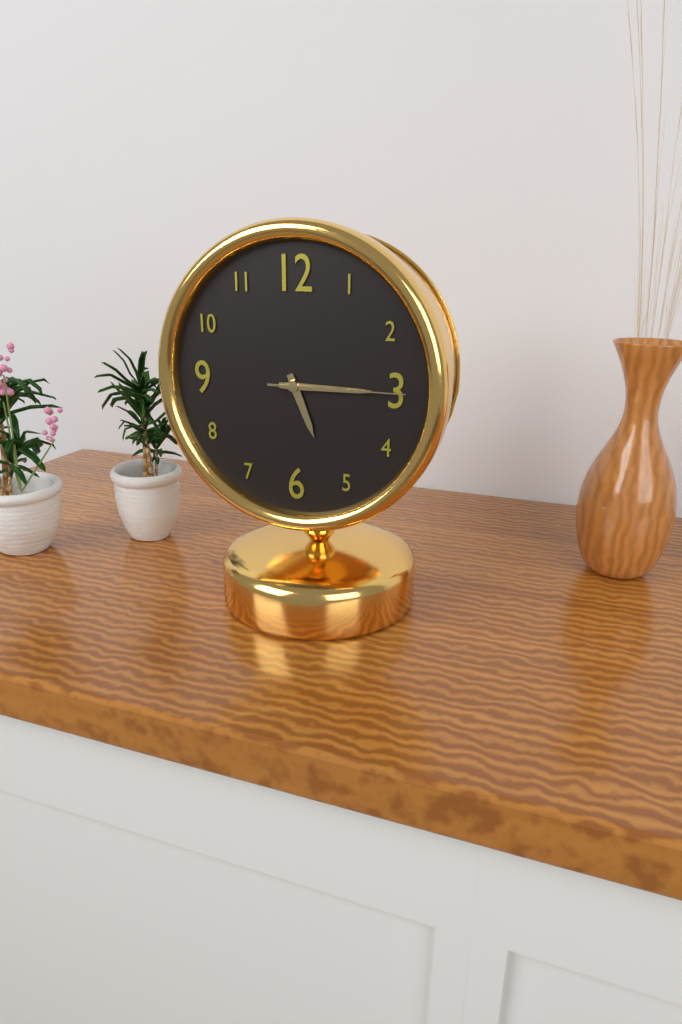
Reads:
5h15m15s
